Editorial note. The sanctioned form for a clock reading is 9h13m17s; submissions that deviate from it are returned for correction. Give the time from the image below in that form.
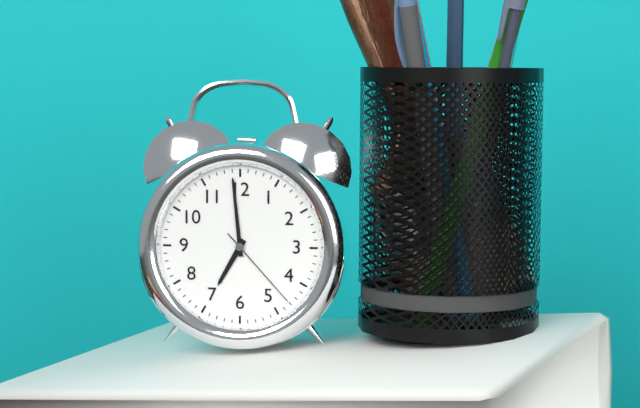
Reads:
6h59m23s
